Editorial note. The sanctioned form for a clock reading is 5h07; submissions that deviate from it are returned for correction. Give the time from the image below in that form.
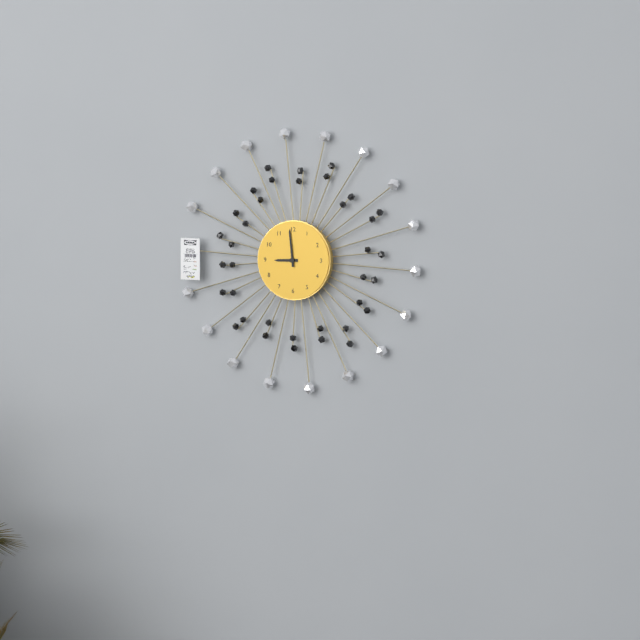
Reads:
8h59
